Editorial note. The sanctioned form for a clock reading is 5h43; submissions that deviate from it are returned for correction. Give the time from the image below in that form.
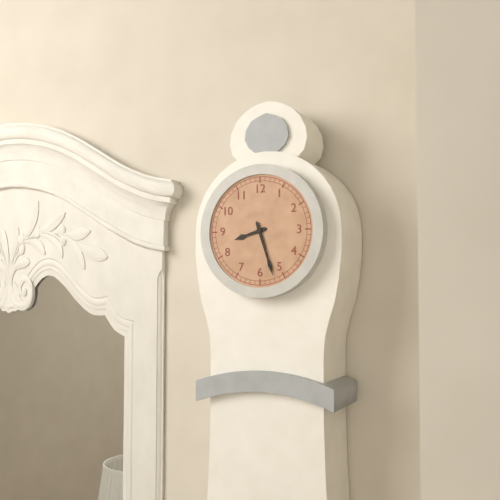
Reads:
8h27
